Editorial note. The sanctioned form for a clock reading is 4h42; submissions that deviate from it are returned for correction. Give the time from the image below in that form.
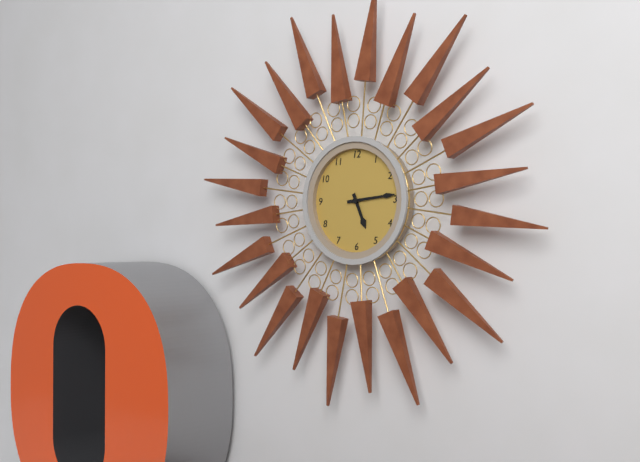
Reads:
5h14
